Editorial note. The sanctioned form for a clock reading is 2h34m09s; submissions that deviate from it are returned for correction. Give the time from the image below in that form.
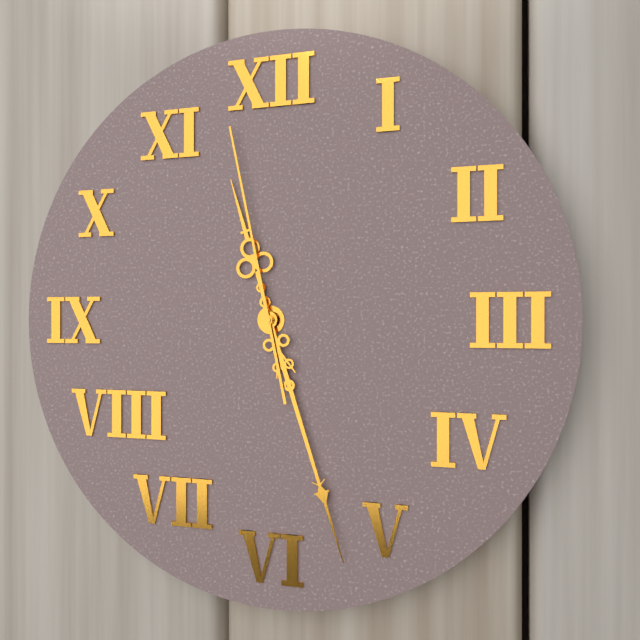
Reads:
11h27m58s
